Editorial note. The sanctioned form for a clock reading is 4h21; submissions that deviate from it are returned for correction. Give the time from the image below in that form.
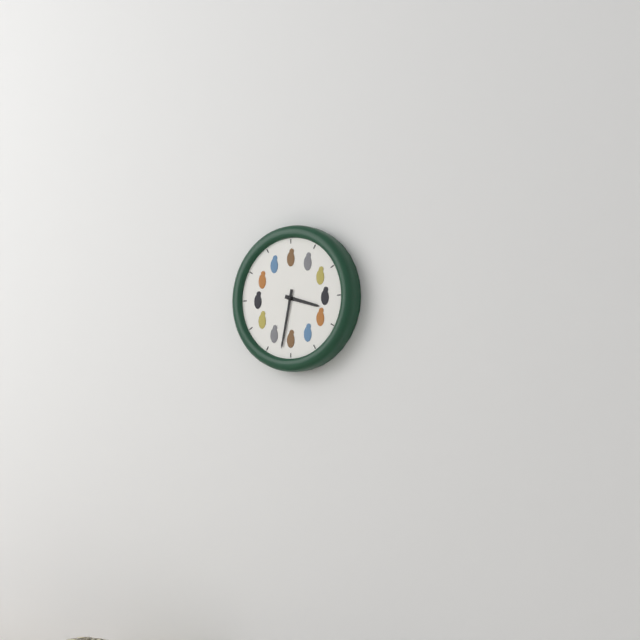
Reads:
3h32
